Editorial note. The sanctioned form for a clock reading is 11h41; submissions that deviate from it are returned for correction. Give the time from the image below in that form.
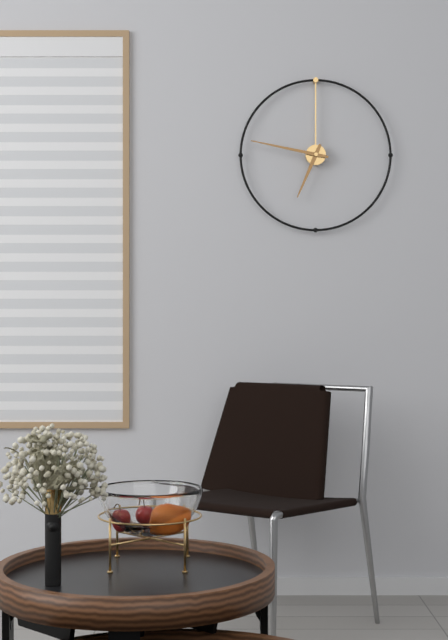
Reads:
6h47
